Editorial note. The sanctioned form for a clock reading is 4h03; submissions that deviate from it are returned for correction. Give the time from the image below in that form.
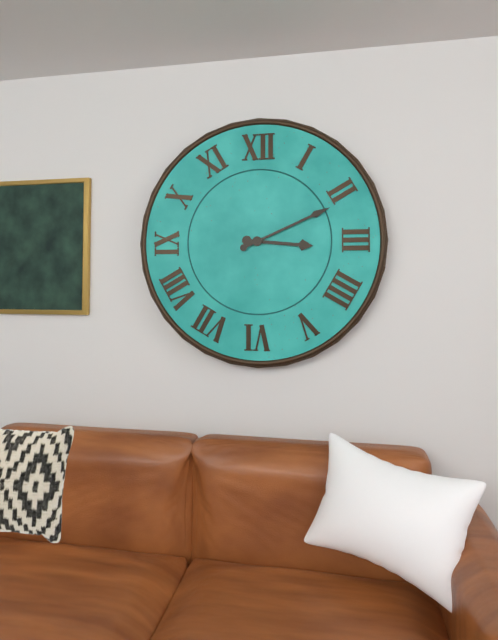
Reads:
3h11
